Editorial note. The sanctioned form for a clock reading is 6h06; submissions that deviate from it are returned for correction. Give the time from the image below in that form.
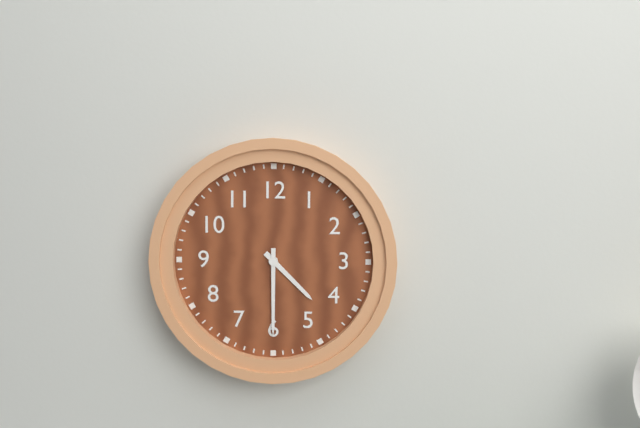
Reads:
4h30
